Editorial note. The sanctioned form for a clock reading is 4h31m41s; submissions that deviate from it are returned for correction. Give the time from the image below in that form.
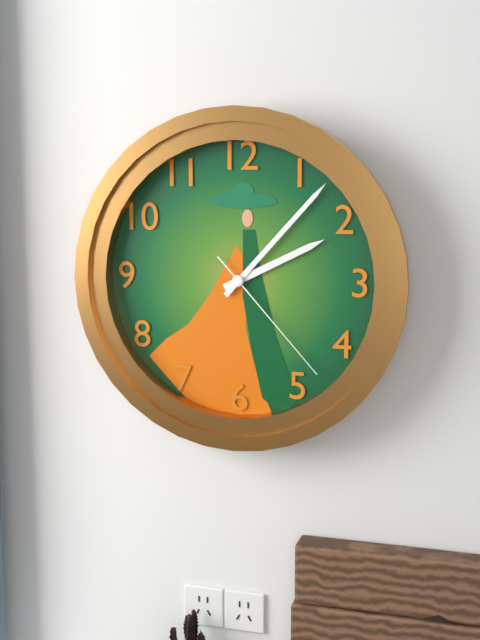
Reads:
2h07m23s
